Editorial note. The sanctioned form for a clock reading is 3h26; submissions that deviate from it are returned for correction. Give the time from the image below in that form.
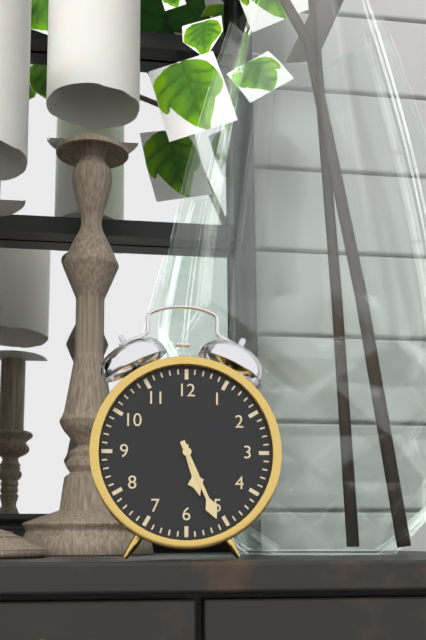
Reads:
5h26
